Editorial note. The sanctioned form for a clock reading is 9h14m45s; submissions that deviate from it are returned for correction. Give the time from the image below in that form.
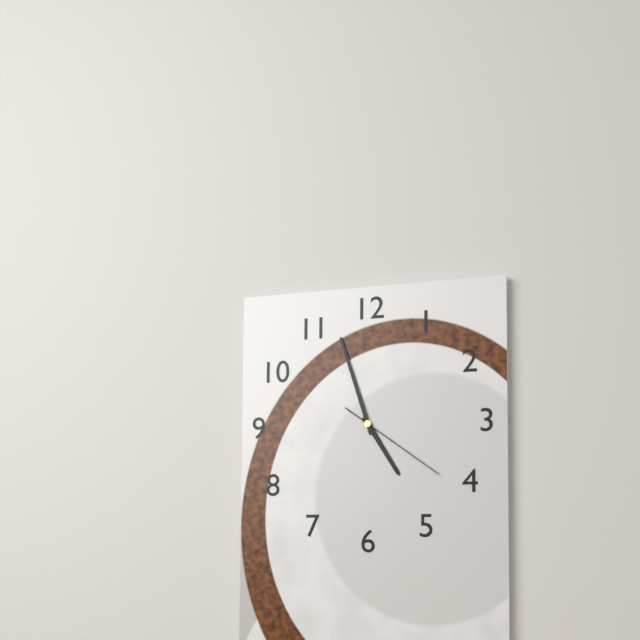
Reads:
4h57m21s
